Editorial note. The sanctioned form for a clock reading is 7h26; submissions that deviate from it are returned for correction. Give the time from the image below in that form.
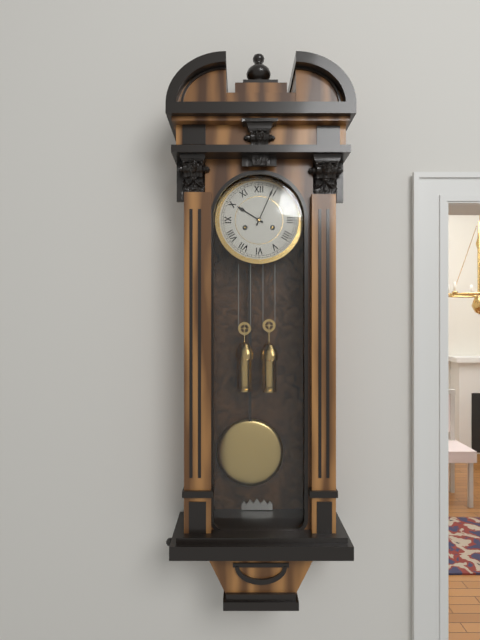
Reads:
10h04
